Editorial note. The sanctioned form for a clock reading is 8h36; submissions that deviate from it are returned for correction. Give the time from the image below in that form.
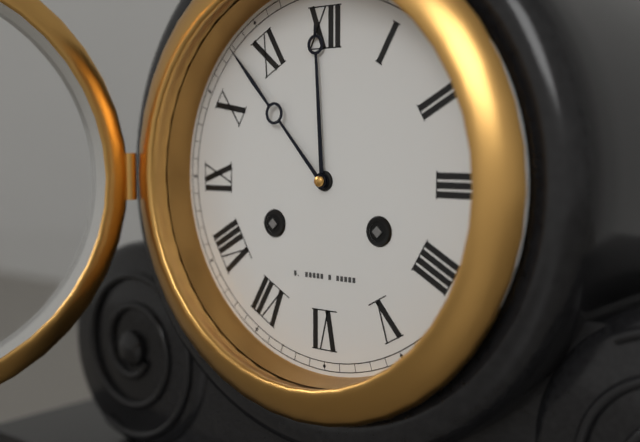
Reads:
11h53
